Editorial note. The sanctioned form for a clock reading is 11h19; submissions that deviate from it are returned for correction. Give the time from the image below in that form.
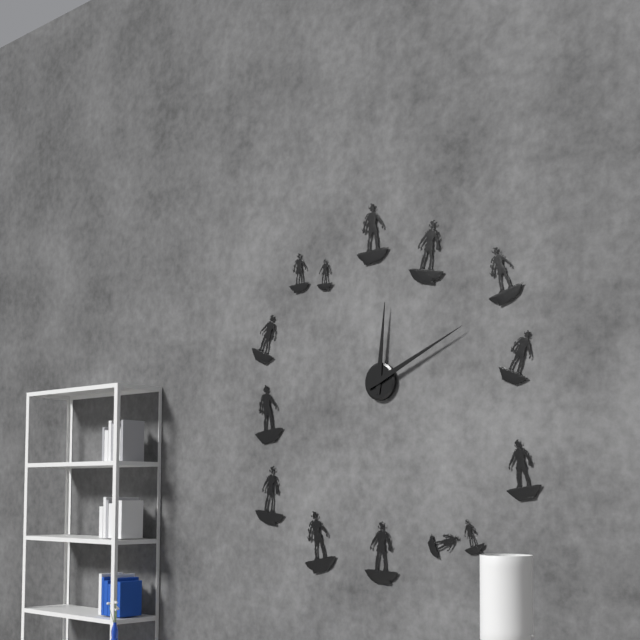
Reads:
12h11
